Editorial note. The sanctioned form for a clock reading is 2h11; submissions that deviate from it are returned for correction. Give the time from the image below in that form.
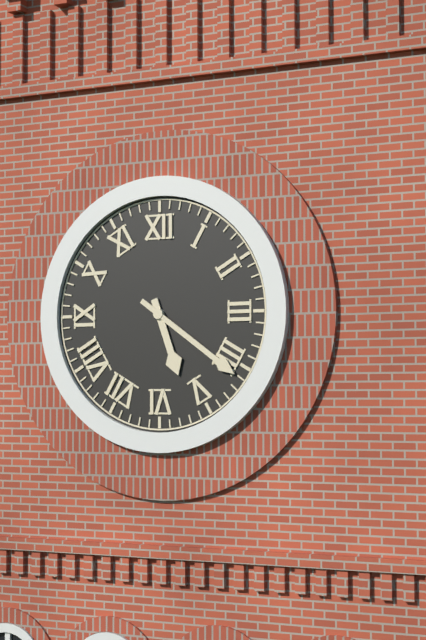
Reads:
5h21
